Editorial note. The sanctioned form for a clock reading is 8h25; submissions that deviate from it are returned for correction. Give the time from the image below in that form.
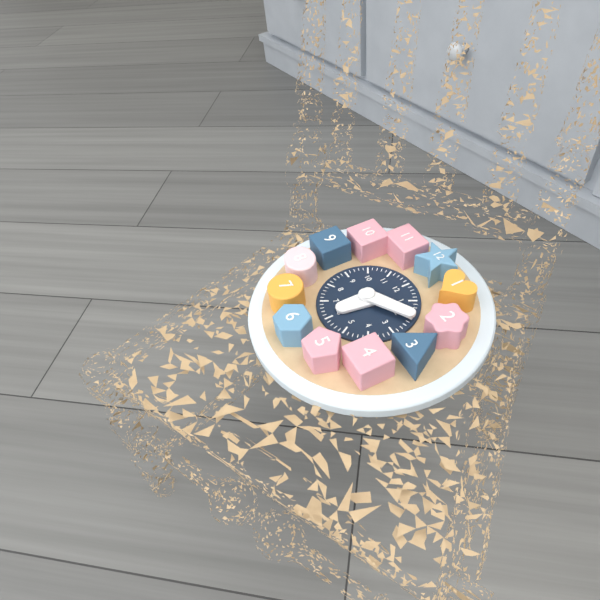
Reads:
6h10
